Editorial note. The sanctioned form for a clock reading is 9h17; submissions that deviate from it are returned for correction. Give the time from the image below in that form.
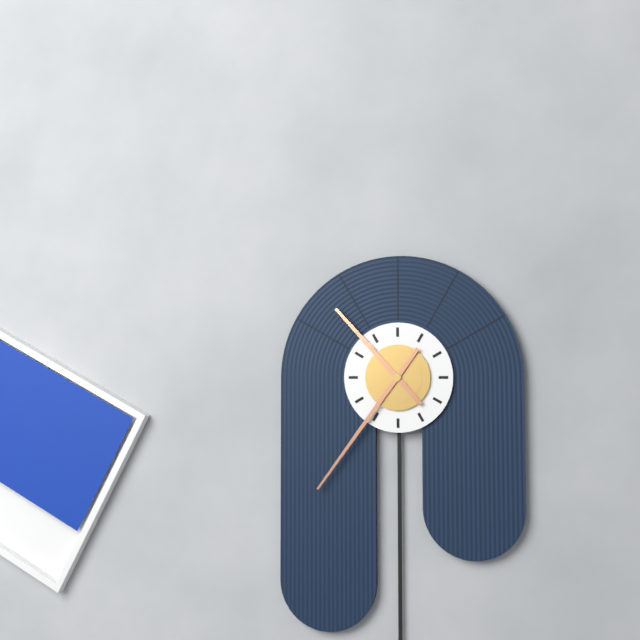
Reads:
10h36
